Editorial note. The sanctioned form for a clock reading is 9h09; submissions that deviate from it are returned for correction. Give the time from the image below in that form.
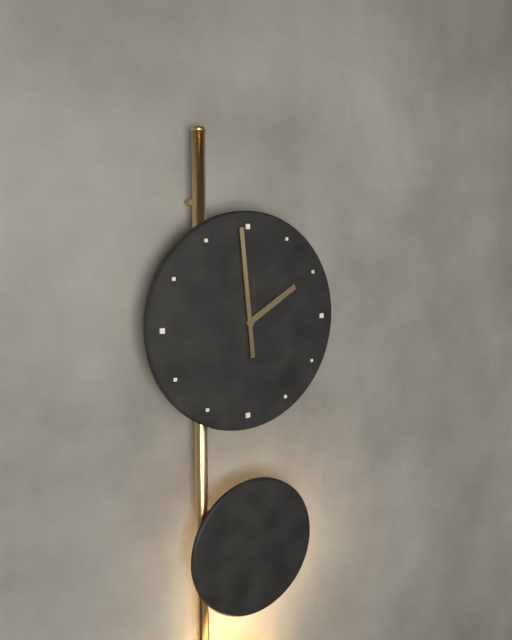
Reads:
1h59
